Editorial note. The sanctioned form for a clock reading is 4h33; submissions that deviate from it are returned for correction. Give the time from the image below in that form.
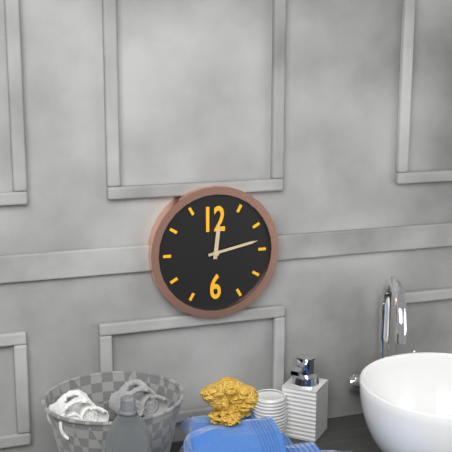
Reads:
12h13
